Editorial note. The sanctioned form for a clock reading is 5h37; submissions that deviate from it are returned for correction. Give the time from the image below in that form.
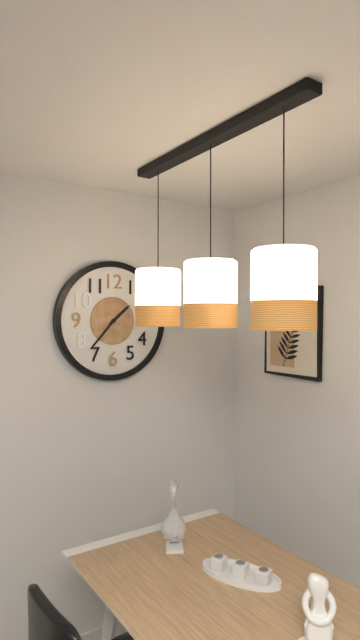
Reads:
1h37
